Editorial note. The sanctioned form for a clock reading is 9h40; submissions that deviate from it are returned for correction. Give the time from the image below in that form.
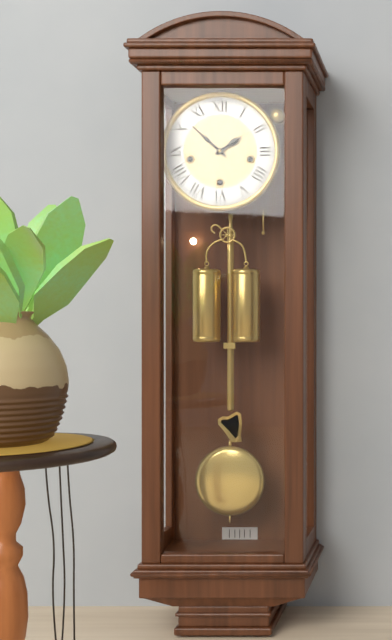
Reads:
1h52
